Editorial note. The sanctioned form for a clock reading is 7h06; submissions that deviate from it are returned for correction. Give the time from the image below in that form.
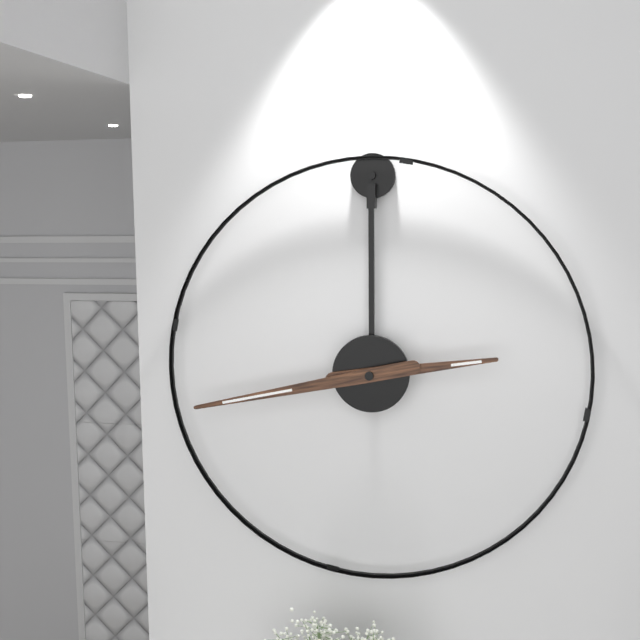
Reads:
2h43
